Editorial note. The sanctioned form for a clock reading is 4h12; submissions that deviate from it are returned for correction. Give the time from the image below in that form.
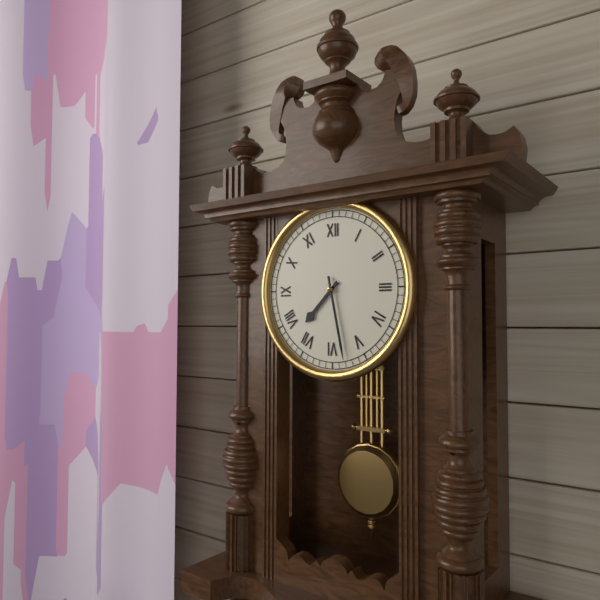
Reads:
7h28
